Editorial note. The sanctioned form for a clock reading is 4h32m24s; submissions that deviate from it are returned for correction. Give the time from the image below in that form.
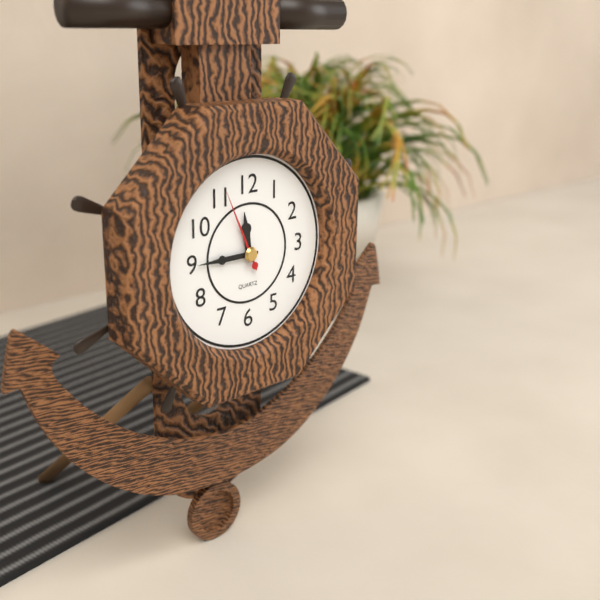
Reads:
11h45m56s
